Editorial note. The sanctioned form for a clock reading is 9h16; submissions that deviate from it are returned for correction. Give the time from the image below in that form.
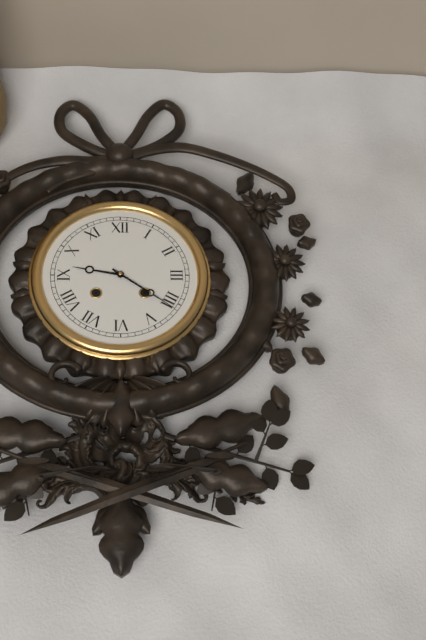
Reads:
9h21
